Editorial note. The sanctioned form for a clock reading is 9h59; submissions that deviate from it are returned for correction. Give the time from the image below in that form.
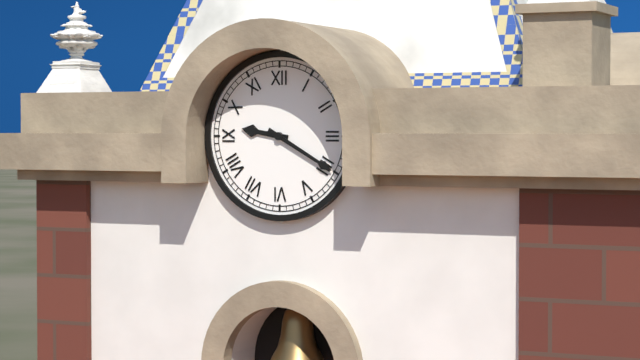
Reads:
9h20
